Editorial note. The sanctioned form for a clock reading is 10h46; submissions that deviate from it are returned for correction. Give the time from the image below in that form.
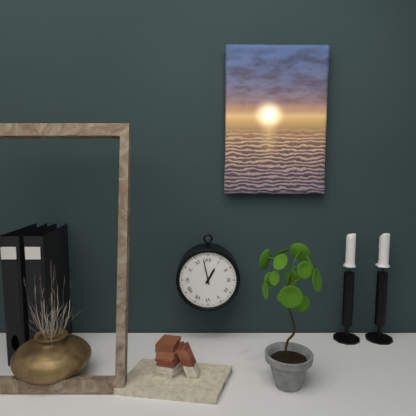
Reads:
12h58
